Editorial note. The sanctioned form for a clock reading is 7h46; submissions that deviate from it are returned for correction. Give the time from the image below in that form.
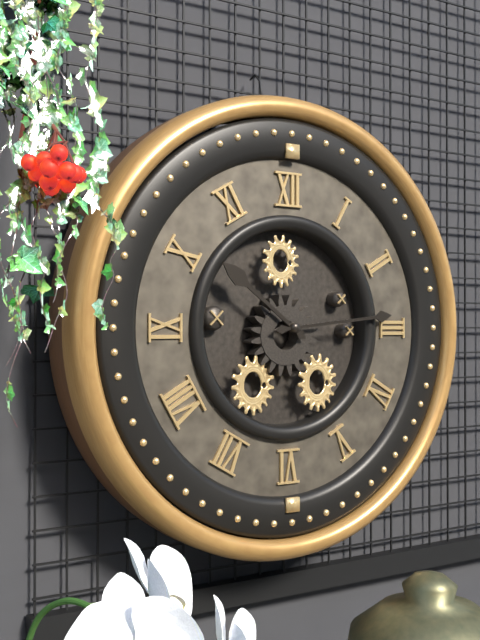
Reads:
10h14
